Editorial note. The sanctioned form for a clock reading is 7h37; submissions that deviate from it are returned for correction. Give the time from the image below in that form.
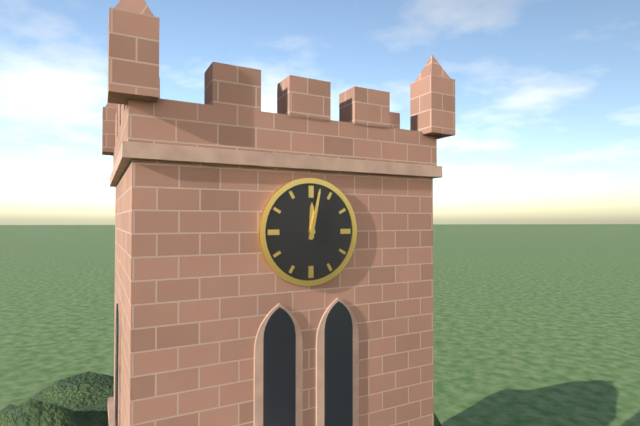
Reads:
12h02
